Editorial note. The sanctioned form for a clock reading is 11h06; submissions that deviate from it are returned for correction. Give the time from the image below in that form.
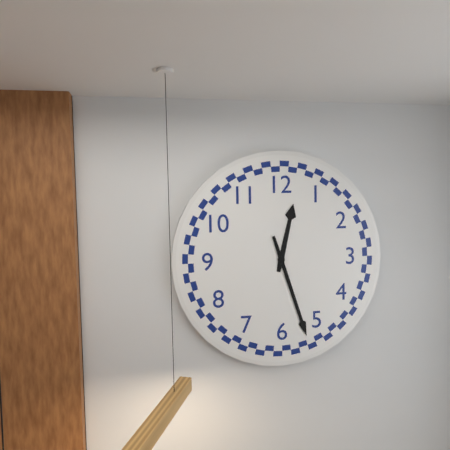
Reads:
12h27
